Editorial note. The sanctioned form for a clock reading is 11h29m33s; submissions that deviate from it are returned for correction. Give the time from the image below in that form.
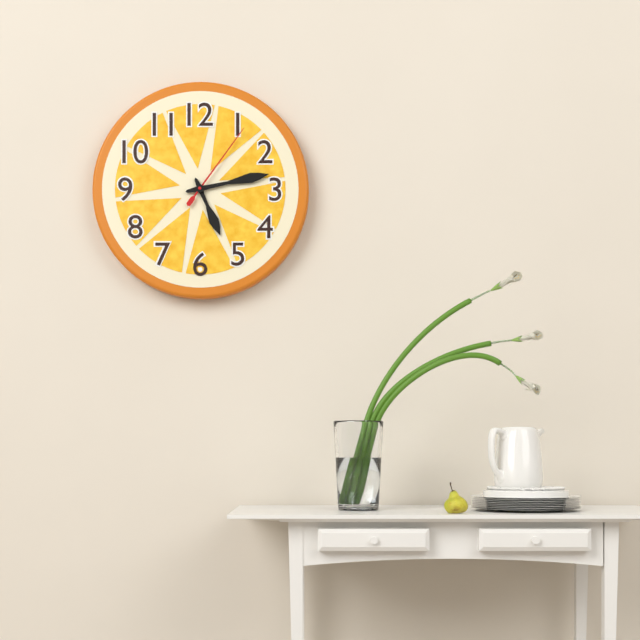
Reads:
5h13m06s
